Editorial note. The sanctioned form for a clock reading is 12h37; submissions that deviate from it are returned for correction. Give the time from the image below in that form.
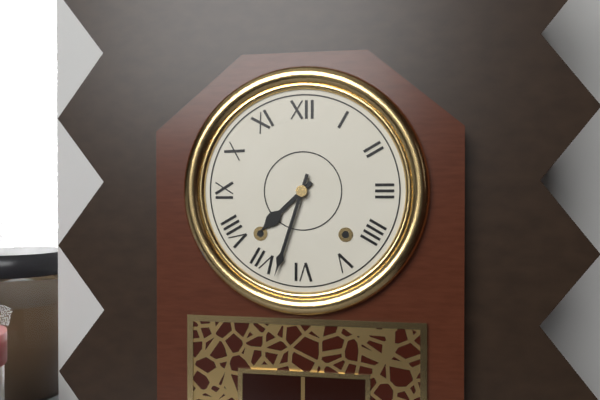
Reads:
7h33
